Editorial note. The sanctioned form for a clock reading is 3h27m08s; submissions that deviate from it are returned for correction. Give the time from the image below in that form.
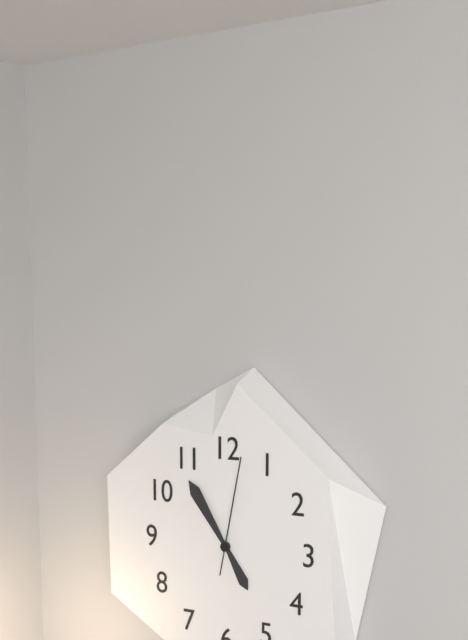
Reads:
4h54m02s
